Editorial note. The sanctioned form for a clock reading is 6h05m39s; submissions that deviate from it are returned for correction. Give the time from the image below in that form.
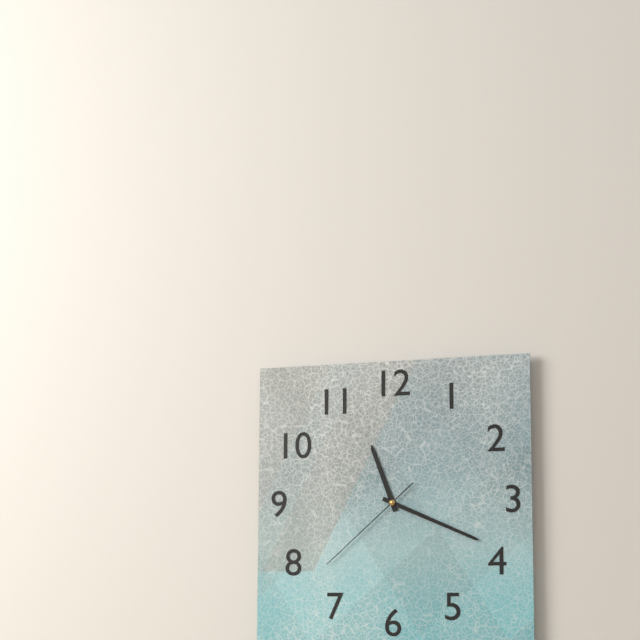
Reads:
11h19m38s
